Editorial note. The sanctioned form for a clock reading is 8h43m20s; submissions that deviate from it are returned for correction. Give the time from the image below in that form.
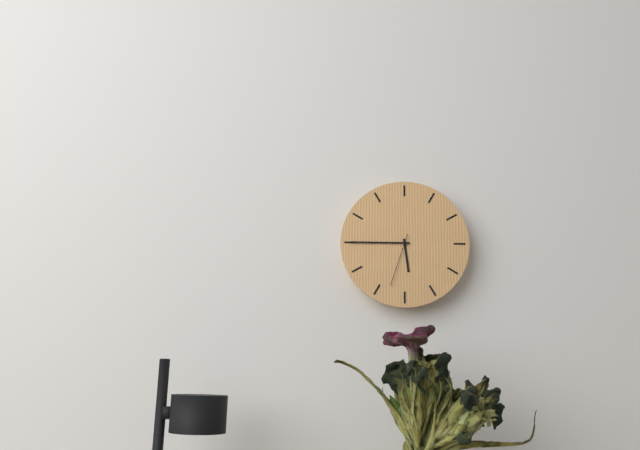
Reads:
5h45m33s
